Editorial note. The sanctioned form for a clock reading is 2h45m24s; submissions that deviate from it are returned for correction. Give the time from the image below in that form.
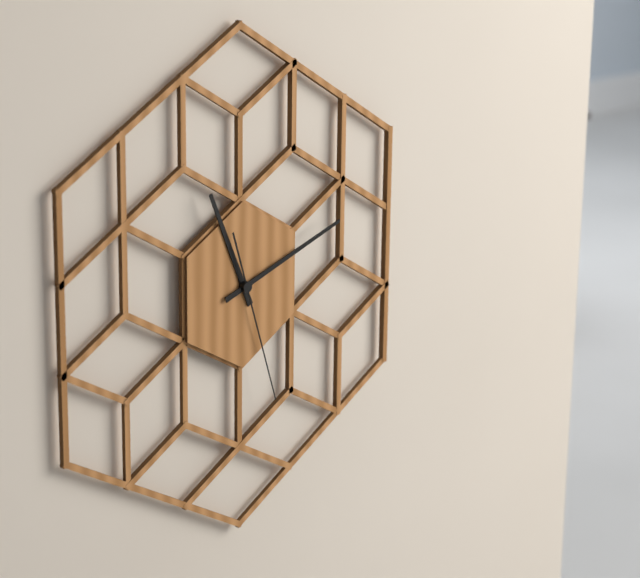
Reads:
11h12m27s
